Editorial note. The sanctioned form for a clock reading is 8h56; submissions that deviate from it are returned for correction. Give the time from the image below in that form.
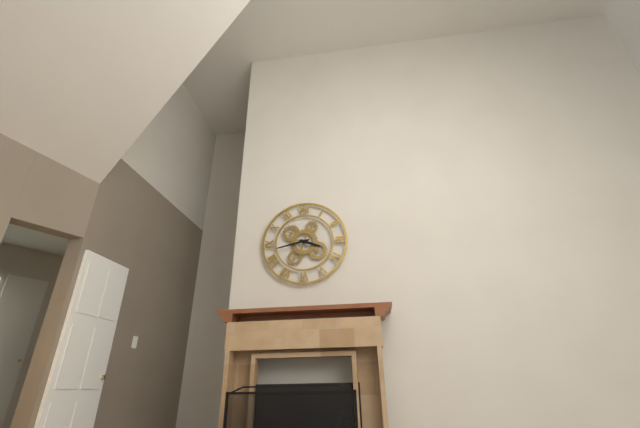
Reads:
3h43
